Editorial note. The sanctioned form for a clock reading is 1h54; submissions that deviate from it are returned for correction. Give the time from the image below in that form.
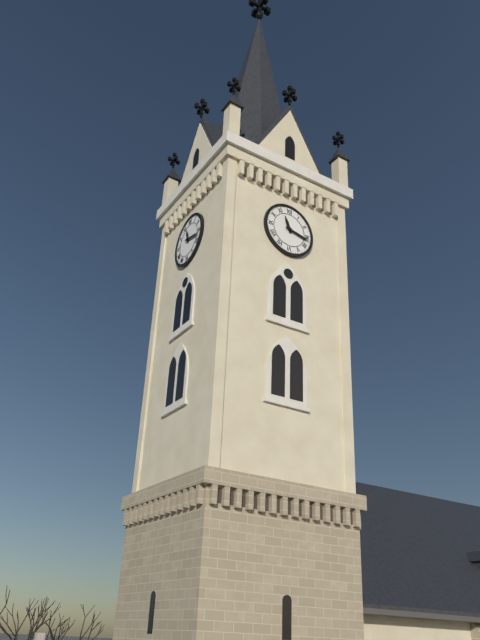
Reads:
11h17
